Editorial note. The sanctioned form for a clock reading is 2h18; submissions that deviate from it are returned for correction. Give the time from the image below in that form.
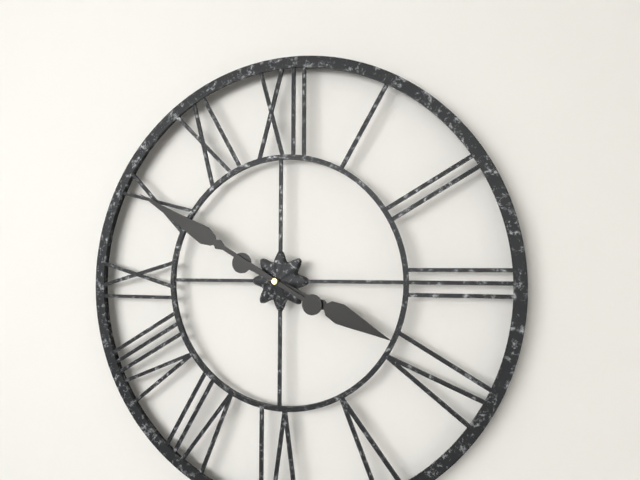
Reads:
3h50
